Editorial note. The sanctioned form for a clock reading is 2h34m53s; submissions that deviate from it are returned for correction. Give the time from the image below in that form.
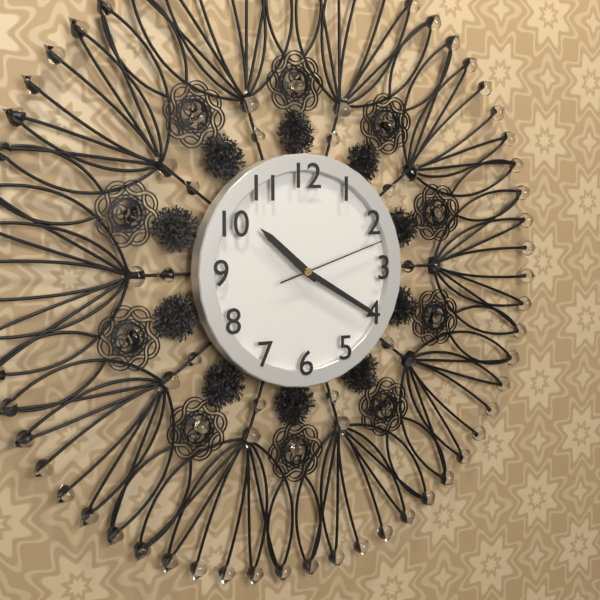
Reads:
10h20m12s
